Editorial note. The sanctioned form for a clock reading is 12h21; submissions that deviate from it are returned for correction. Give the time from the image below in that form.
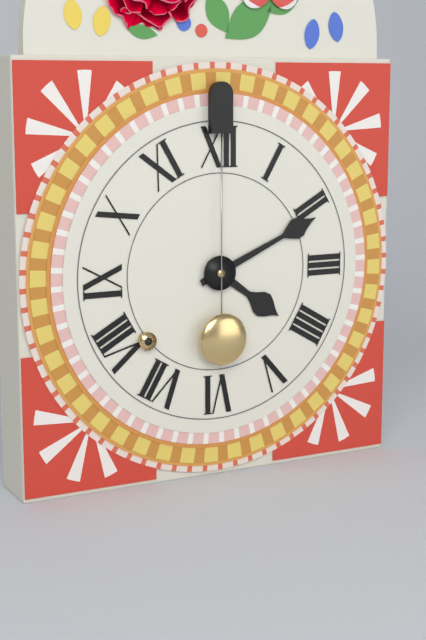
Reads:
4h11
